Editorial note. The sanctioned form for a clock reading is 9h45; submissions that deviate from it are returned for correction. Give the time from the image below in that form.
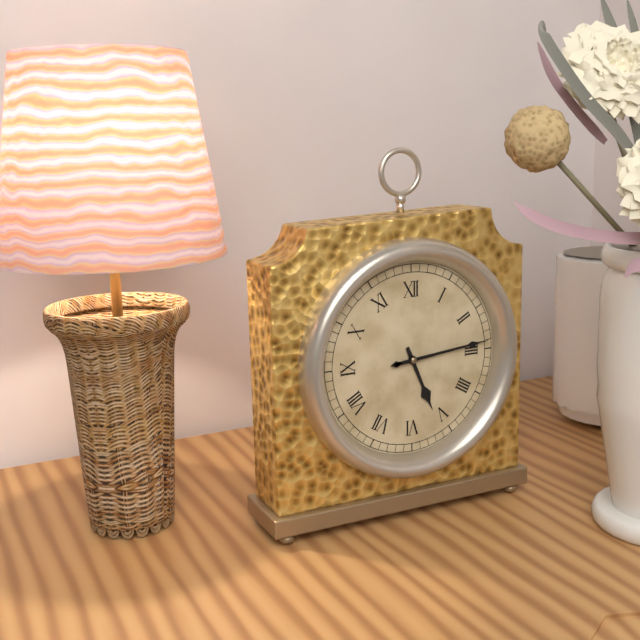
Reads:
5h14
